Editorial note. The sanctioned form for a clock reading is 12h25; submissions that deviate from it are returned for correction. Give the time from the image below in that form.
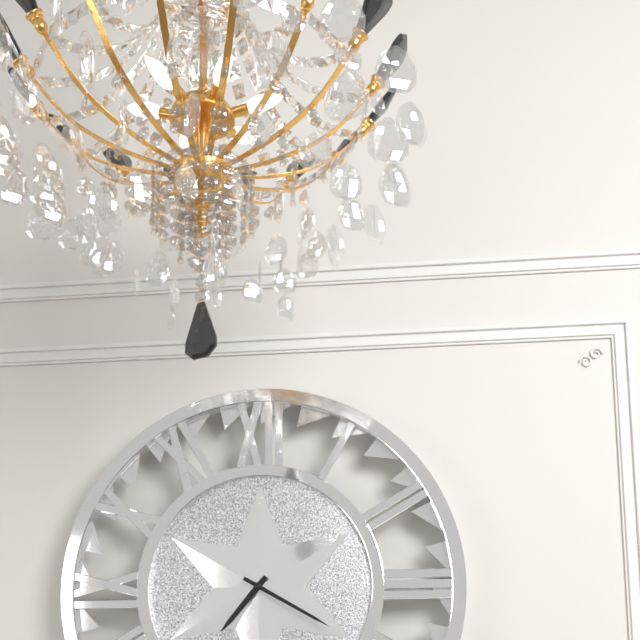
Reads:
7h20
